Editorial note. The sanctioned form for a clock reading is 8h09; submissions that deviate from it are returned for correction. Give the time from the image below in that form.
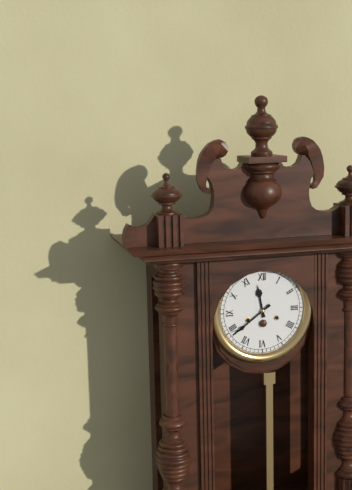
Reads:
11h39
